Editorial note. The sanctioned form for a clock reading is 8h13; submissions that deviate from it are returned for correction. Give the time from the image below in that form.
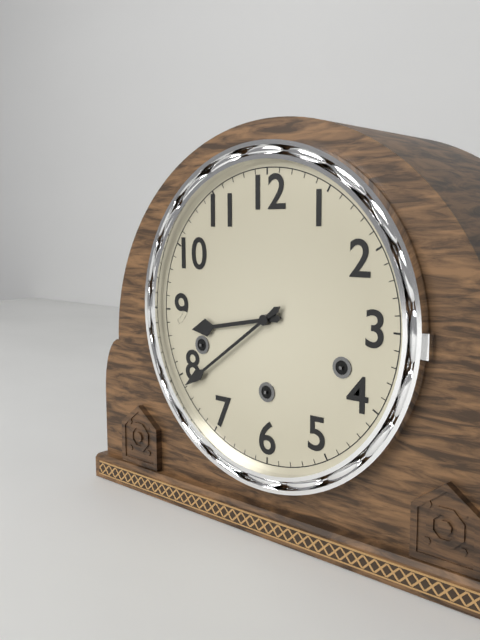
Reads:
8h39
